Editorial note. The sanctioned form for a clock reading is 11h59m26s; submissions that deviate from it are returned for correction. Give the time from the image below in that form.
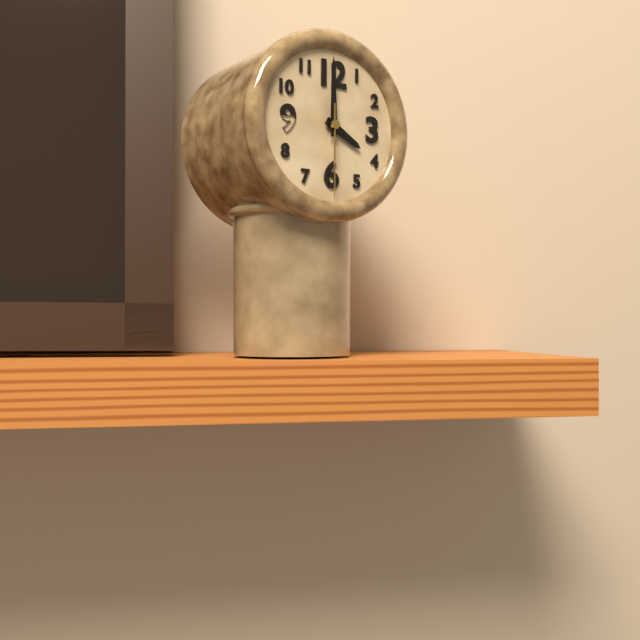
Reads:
4h00m30s
